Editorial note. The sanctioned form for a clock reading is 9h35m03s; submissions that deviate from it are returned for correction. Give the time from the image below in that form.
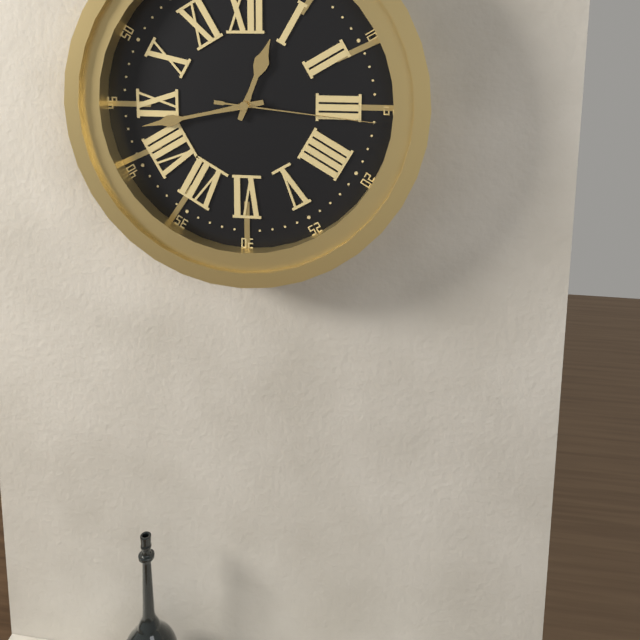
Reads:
12h43m16s
